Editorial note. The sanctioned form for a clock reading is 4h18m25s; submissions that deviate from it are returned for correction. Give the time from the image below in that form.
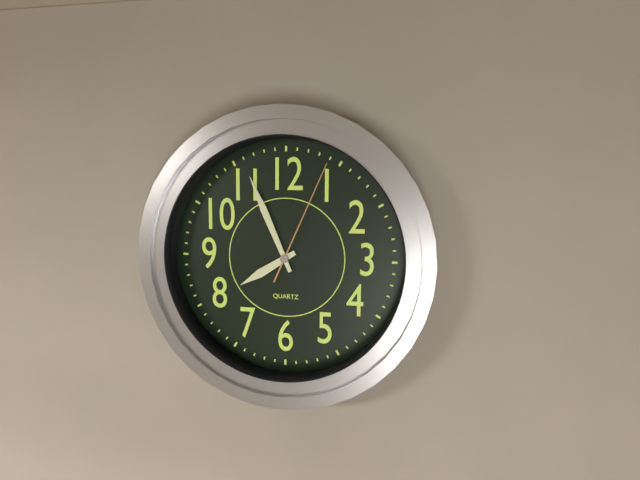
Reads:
7h56m04s
